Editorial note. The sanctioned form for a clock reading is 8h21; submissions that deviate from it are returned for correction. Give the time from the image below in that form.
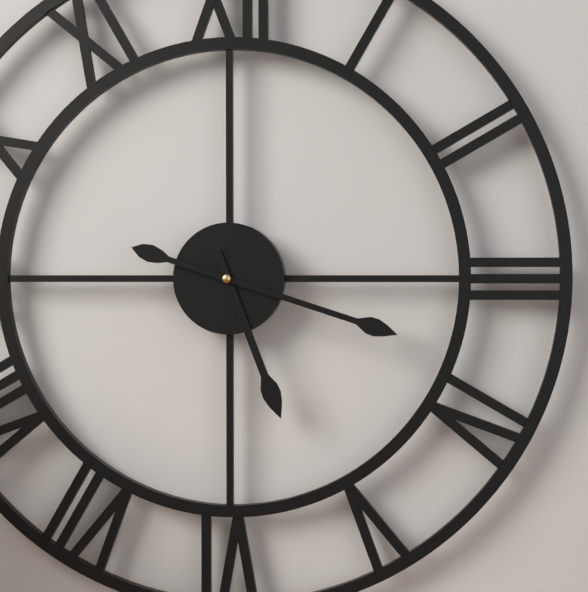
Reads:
5h18
